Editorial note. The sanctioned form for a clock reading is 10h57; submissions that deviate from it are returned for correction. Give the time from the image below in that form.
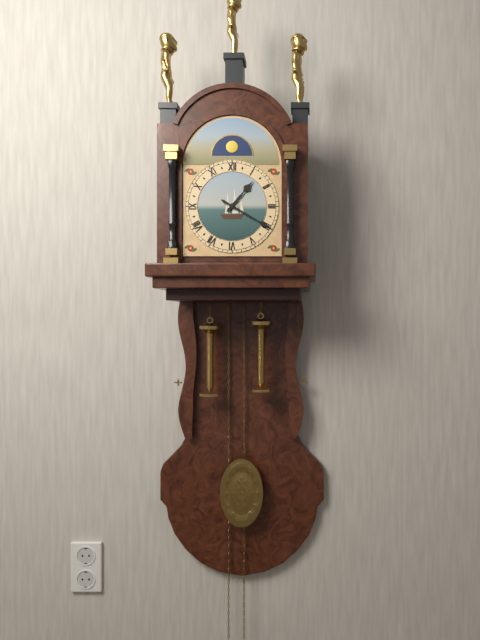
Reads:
1h20
